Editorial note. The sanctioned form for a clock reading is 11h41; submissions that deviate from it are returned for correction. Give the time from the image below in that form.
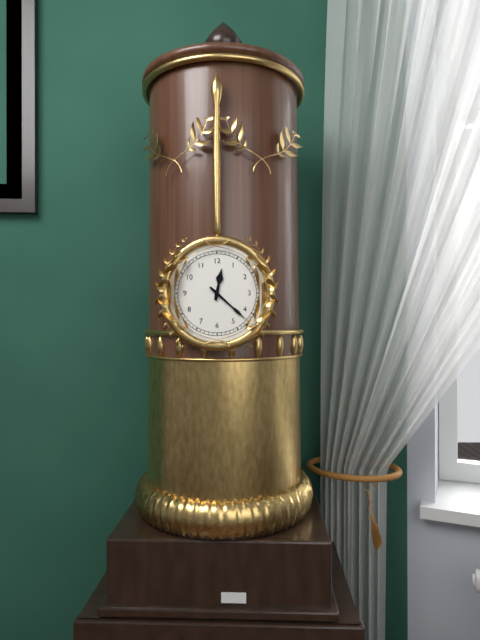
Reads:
12h22
